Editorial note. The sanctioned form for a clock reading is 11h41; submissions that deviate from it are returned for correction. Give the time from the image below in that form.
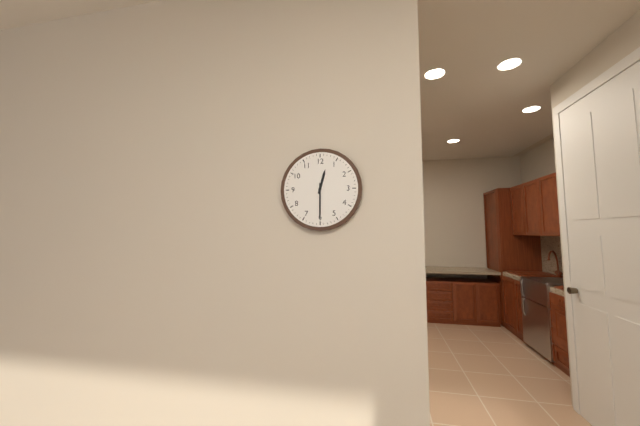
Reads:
12h30
